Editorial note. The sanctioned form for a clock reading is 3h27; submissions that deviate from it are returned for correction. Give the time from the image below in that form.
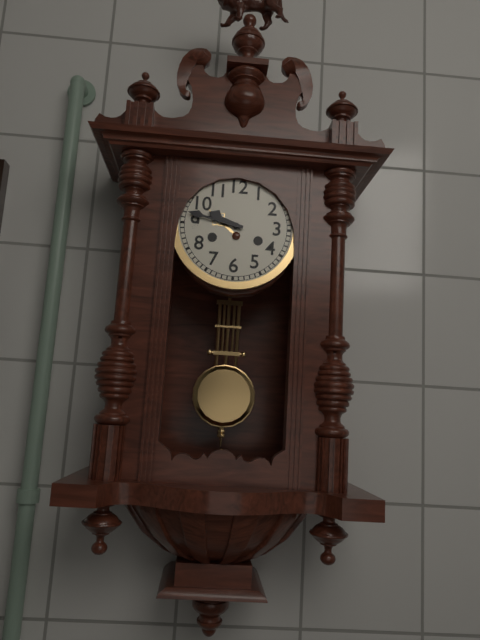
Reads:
9h47
